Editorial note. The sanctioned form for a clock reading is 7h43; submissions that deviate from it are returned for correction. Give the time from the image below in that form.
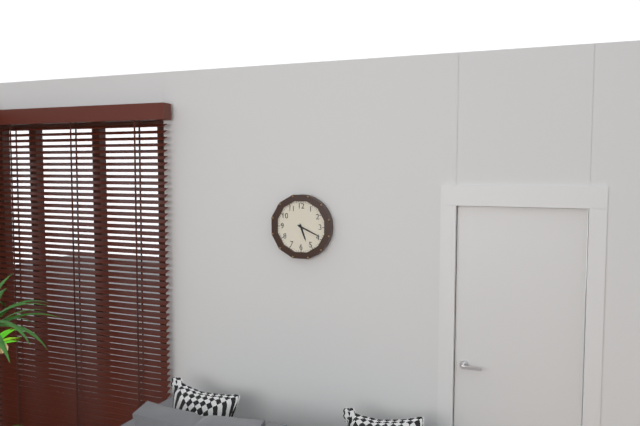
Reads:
5h19
